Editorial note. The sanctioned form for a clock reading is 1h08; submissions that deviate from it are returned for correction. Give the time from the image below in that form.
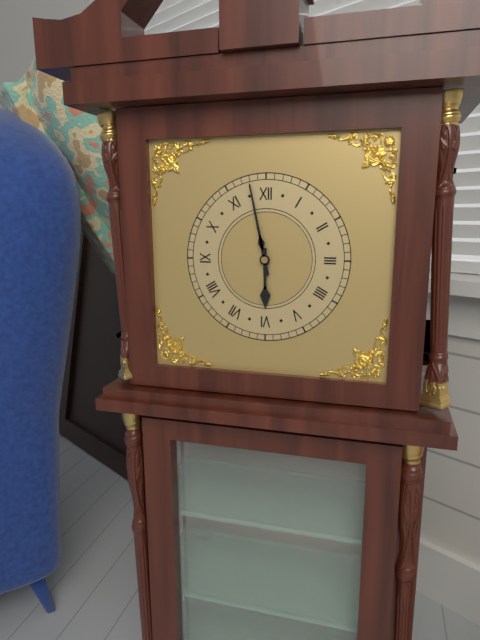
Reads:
5h58
